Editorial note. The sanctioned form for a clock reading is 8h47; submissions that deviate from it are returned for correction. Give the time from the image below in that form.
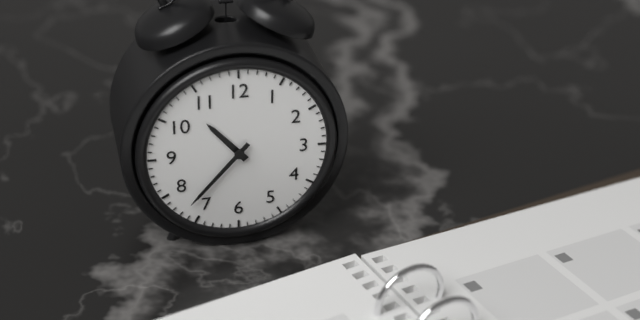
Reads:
10h37
